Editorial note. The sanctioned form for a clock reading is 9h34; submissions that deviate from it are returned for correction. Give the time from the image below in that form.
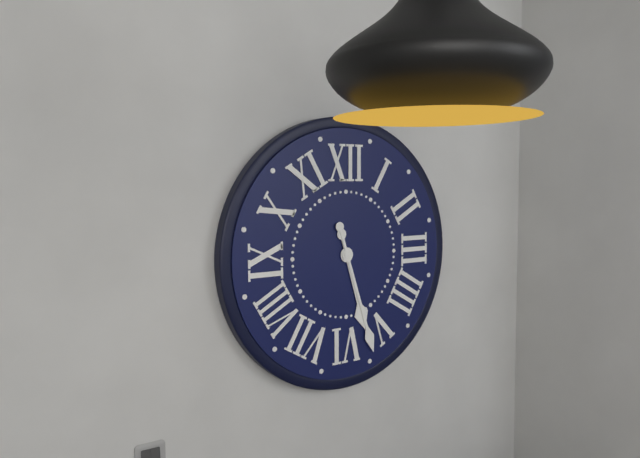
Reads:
5h27
